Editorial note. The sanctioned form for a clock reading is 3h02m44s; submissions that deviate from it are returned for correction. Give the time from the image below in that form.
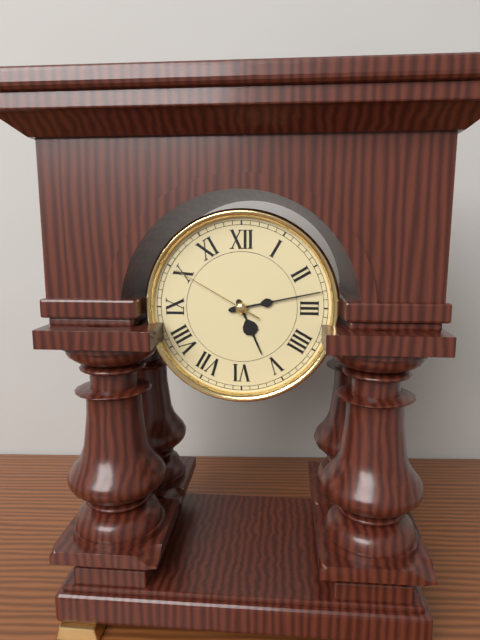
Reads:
5h13m50s
